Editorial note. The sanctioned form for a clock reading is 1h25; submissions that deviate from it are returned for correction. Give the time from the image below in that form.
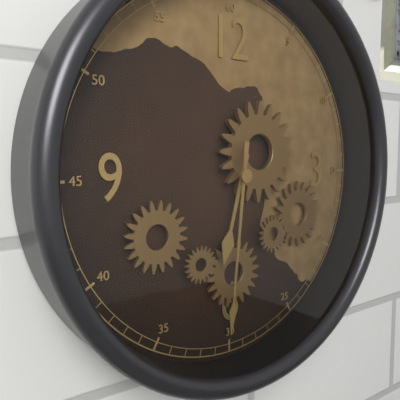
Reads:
6h31
